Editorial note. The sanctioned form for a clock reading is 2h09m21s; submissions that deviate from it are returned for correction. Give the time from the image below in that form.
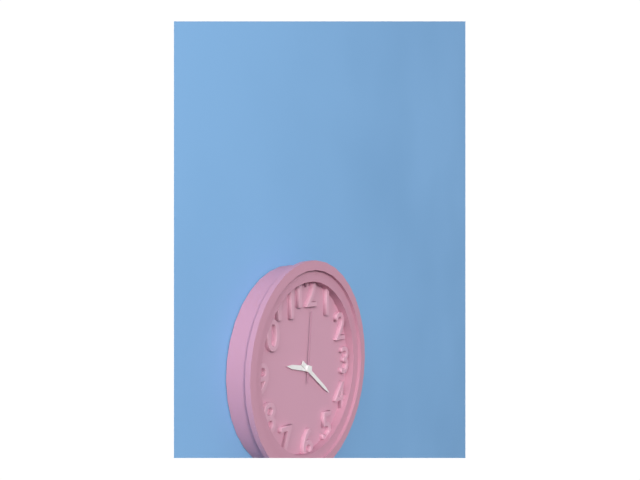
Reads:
9h21m01s
